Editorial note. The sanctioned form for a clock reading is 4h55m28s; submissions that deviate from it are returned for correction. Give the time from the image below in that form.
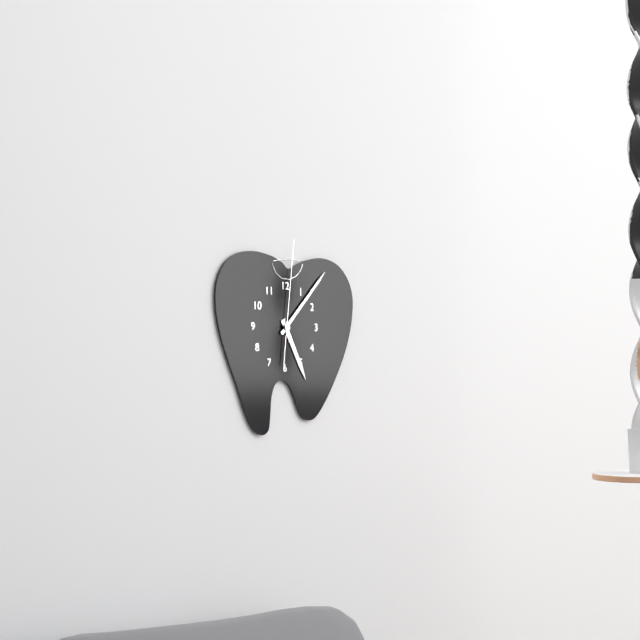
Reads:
5h07m01s
